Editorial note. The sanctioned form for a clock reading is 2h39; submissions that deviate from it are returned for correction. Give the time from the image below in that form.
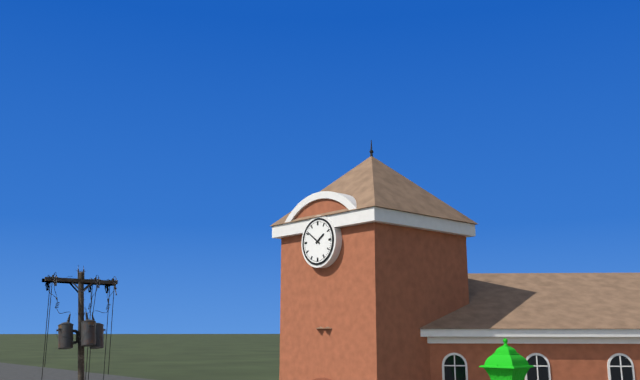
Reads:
1h51
